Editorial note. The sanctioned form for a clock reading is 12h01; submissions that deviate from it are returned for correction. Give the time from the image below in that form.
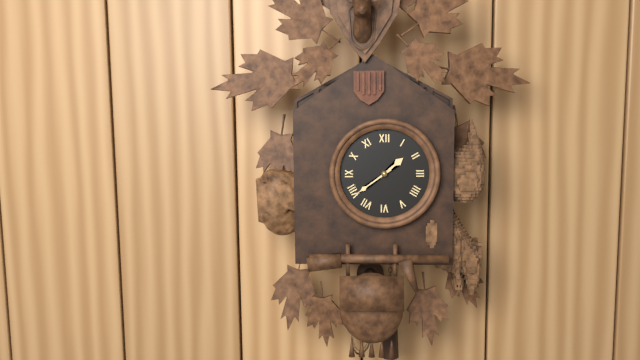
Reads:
1h39
